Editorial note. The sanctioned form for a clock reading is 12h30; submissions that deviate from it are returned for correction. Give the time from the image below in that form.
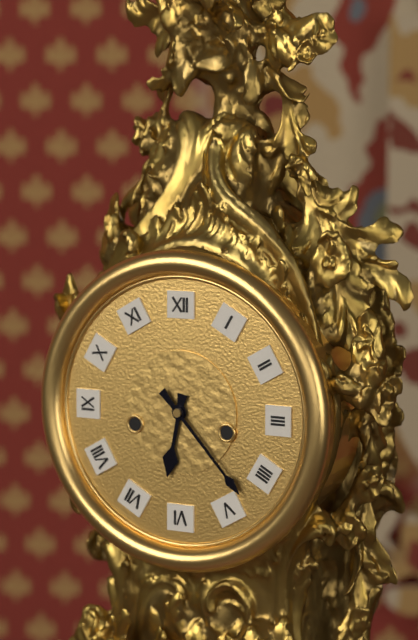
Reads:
6h23
